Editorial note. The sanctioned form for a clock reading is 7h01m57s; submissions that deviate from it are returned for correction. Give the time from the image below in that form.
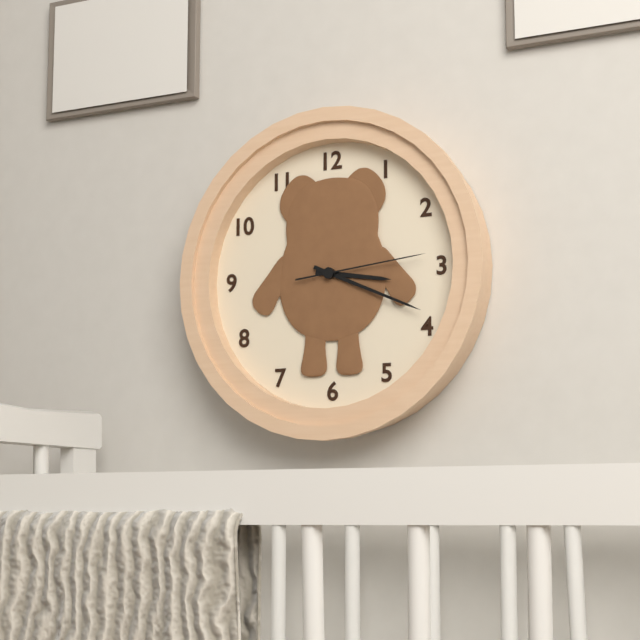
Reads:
3h19m14s
